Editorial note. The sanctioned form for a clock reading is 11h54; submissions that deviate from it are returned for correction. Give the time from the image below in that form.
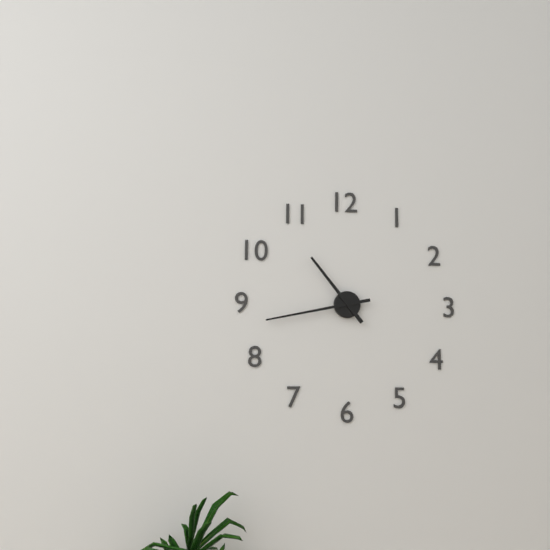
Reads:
10h43
